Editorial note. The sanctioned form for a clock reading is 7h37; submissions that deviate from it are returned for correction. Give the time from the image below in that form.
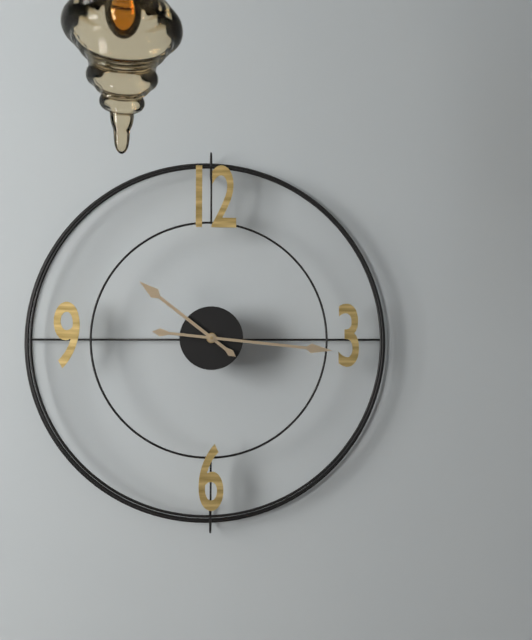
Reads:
10h16
